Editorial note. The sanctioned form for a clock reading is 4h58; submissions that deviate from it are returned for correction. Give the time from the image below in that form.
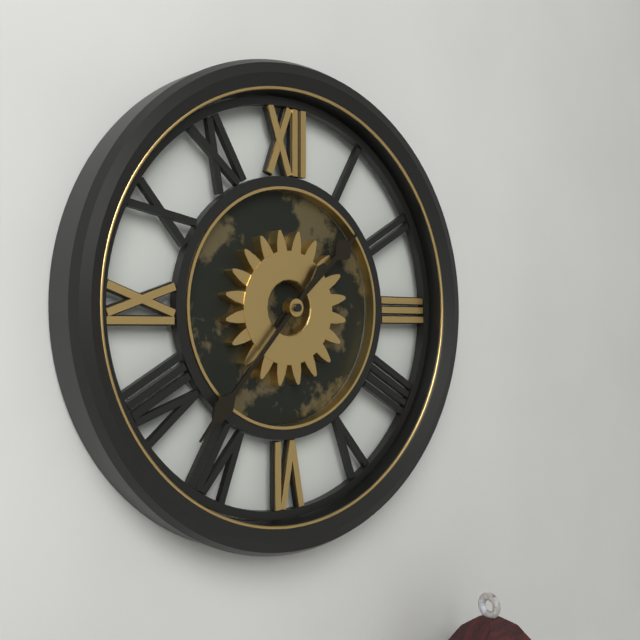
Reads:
1h37
